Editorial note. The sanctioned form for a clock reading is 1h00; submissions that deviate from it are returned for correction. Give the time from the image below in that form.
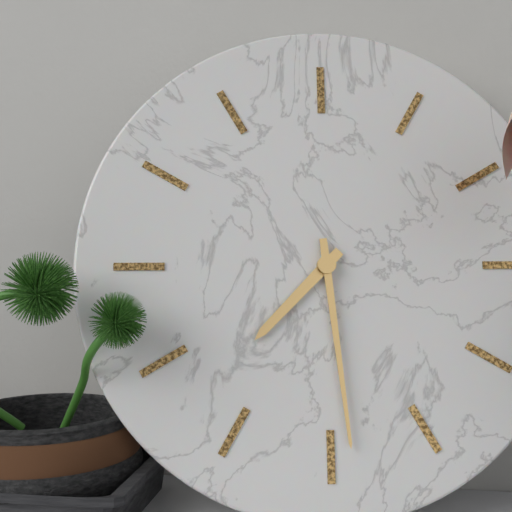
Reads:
7h29
